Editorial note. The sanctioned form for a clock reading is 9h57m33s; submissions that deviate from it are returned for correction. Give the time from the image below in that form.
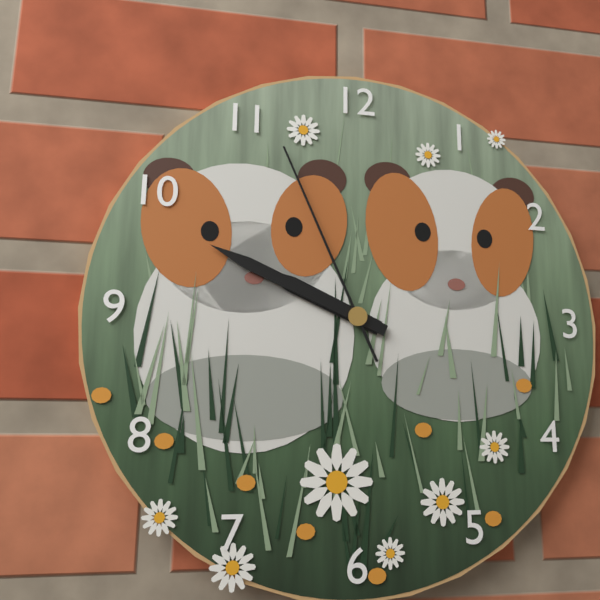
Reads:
9h49m56s
